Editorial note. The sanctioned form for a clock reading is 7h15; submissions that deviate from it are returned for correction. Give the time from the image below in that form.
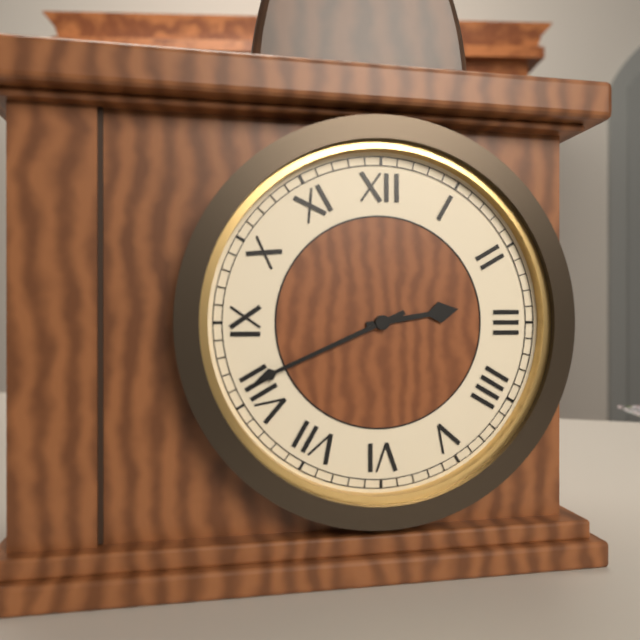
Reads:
2h41
